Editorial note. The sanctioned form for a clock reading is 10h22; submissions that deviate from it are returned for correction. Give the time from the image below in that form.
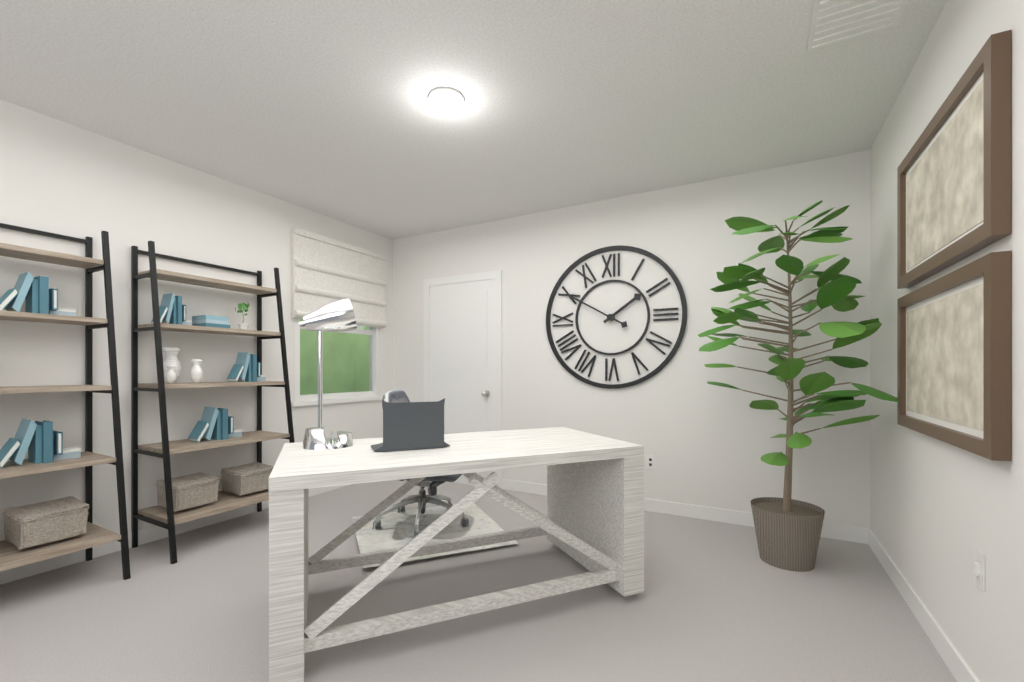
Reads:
1h50
